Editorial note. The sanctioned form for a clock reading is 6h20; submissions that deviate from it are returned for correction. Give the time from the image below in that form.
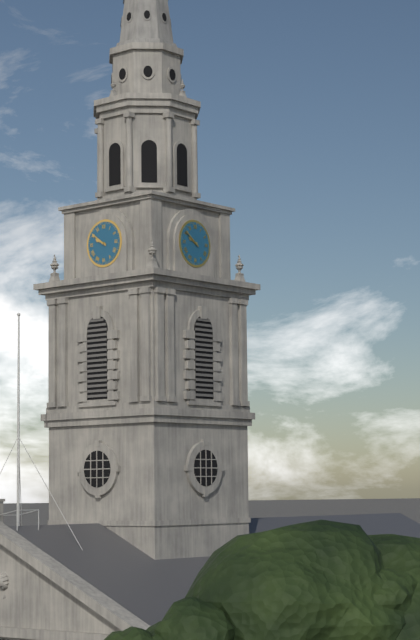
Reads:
9h51
